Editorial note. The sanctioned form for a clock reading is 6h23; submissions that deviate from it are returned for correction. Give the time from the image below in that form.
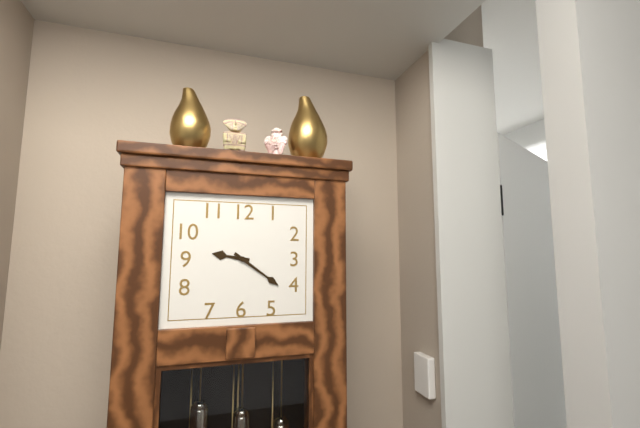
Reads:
9h21
